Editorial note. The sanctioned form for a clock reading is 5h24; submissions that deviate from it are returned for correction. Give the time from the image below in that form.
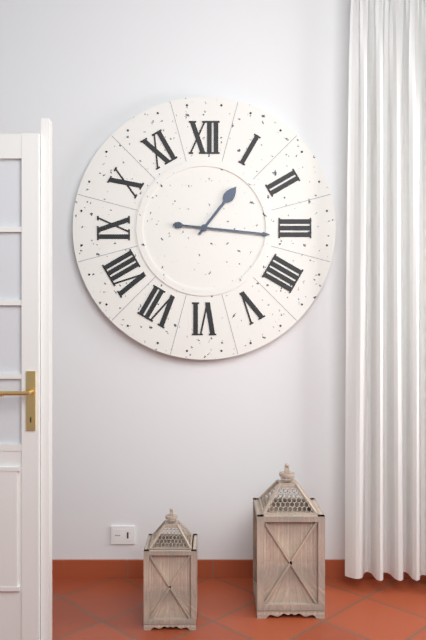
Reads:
1h16
